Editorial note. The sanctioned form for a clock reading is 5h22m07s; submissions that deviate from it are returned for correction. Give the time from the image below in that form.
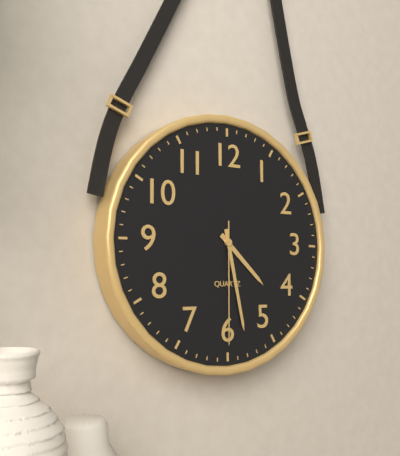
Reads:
4h28m30s
